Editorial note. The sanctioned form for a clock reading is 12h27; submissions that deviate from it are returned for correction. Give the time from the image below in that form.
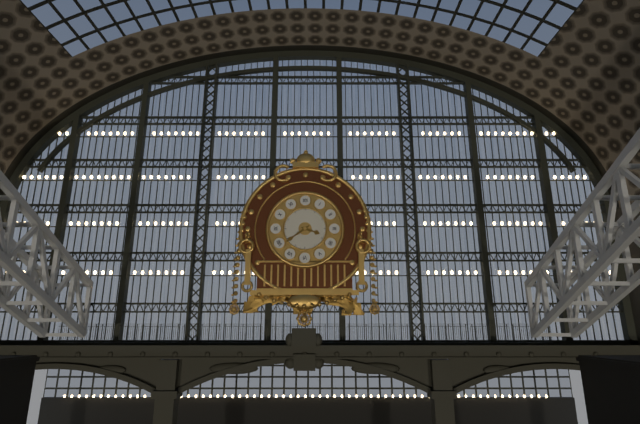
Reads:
3h39
